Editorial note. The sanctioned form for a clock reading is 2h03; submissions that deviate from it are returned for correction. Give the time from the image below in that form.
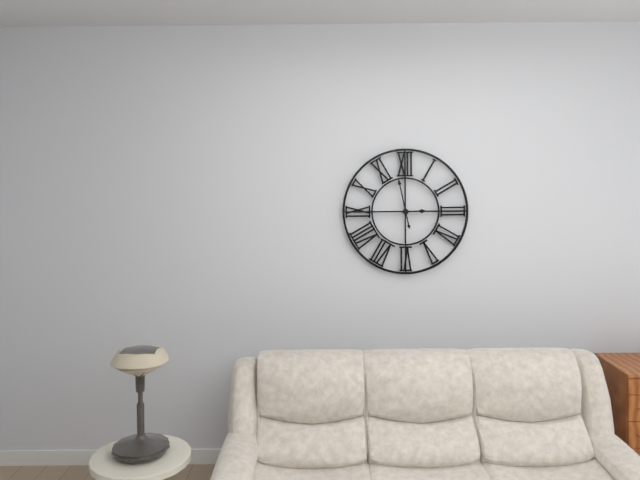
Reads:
2h58
